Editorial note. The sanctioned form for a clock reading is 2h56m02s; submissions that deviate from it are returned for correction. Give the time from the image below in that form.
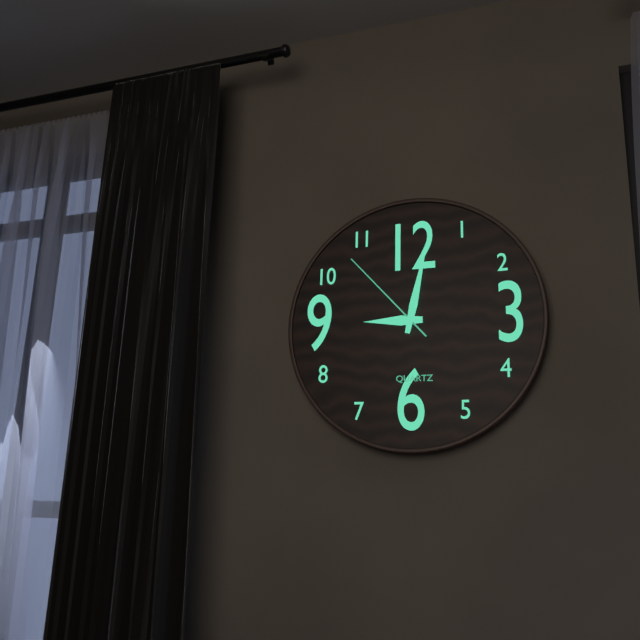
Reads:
9h02m53s
